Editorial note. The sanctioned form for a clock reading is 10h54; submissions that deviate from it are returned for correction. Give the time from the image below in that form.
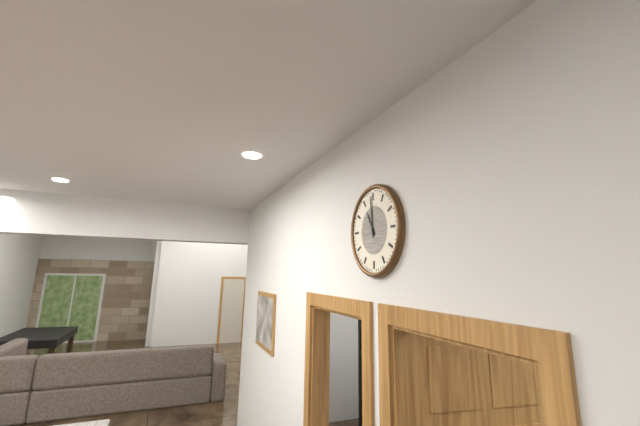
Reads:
10h59
